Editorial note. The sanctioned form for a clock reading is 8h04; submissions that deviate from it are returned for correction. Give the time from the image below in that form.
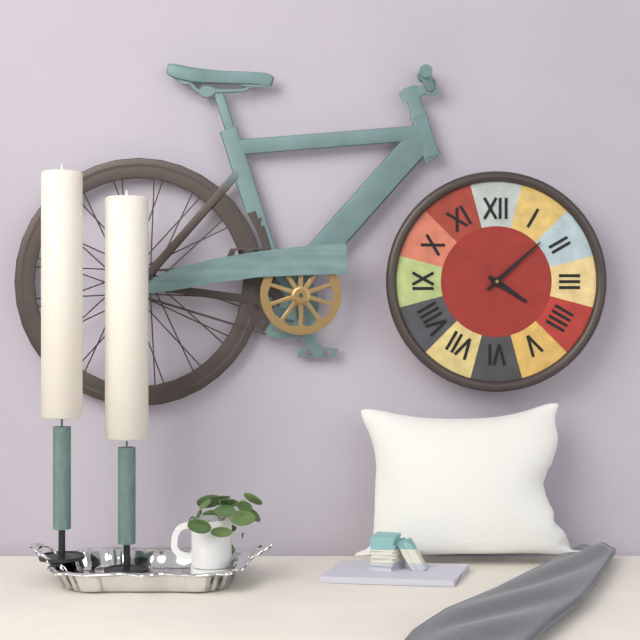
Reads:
4h08
